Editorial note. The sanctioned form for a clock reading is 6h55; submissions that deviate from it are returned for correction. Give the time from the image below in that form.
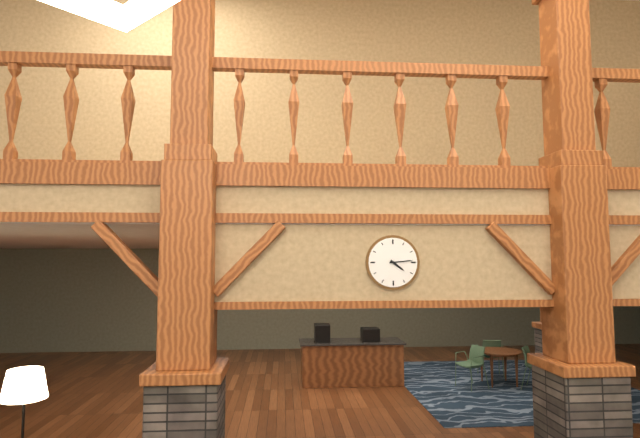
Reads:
4h14
